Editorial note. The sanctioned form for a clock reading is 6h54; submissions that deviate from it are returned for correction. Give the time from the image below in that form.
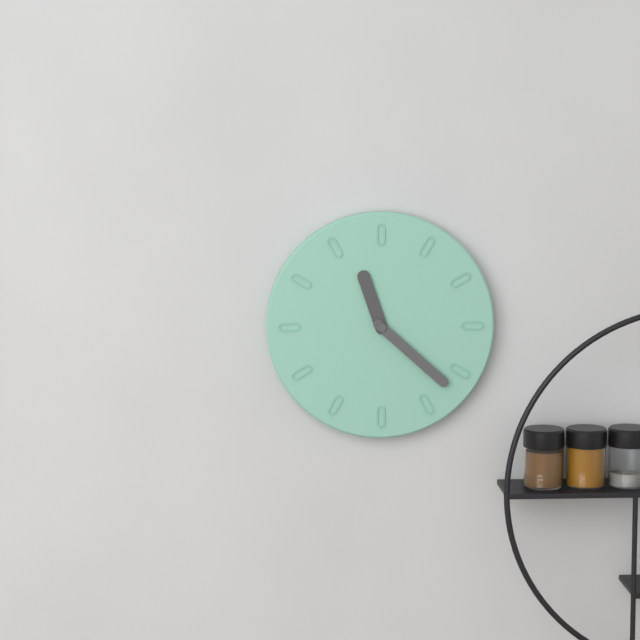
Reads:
11h22
